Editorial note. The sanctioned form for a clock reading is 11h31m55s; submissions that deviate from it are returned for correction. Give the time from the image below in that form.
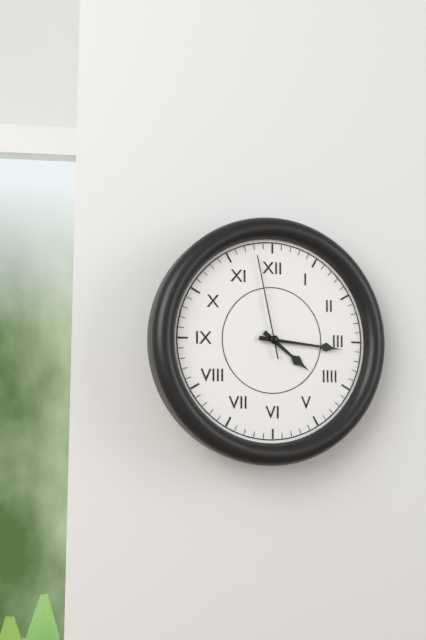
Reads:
4h16m58s
